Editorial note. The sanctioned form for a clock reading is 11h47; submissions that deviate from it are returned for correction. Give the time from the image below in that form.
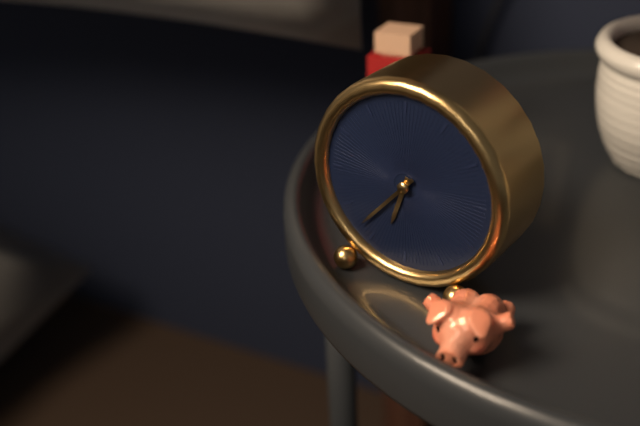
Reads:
6h37
